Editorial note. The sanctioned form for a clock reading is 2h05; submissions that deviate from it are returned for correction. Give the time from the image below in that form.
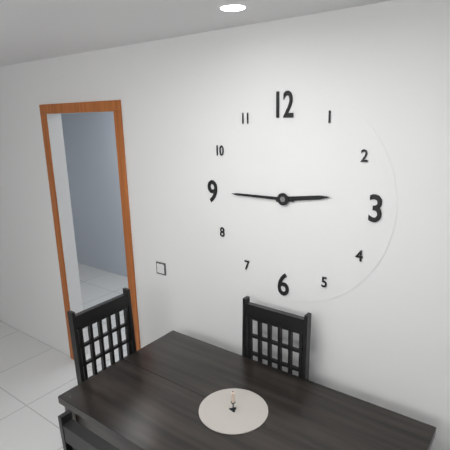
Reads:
2h45
